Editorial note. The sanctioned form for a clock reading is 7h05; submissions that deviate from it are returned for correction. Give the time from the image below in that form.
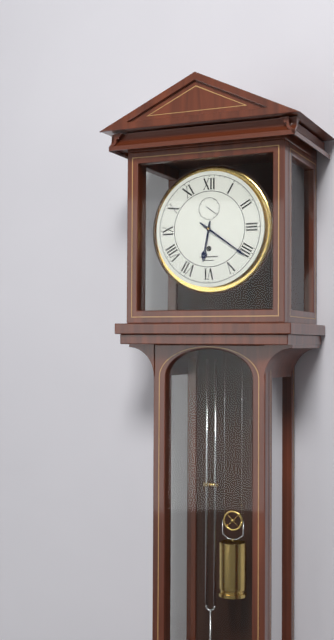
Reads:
6h21
